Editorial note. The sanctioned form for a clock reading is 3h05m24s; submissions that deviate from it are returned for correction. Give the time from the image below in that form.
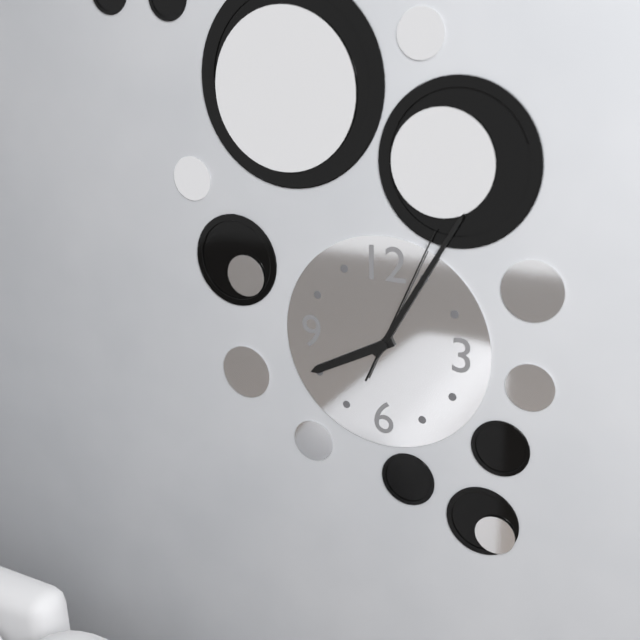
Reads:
8h05m04s
